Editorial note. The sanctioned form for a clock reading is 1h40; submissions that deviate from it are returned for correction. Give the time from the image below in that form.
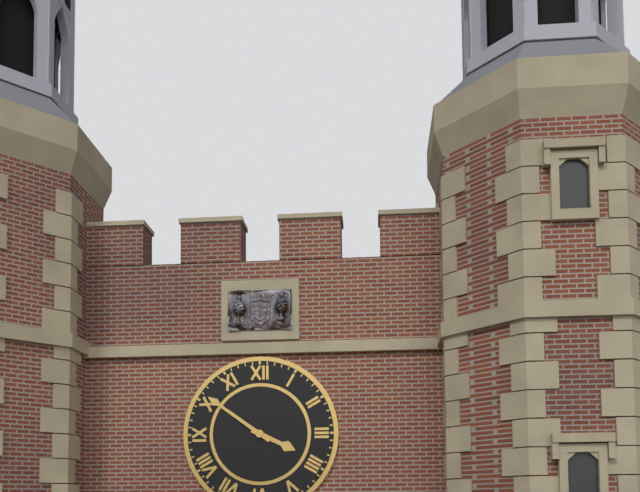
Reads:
3h51
